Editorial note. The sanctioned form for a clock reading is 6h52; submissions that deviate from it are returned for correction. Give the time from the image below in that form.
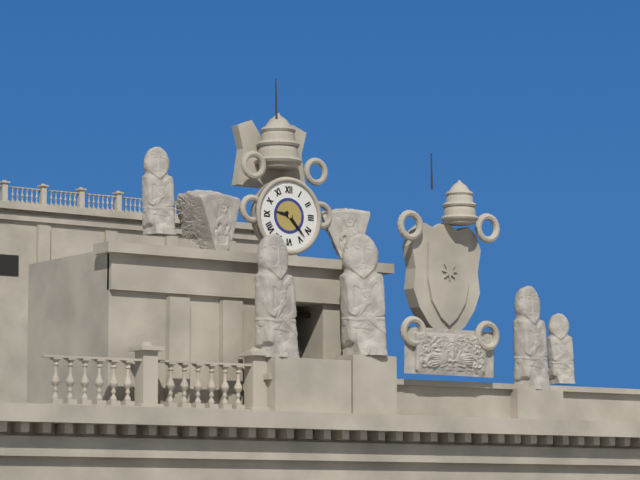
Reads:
9h23
